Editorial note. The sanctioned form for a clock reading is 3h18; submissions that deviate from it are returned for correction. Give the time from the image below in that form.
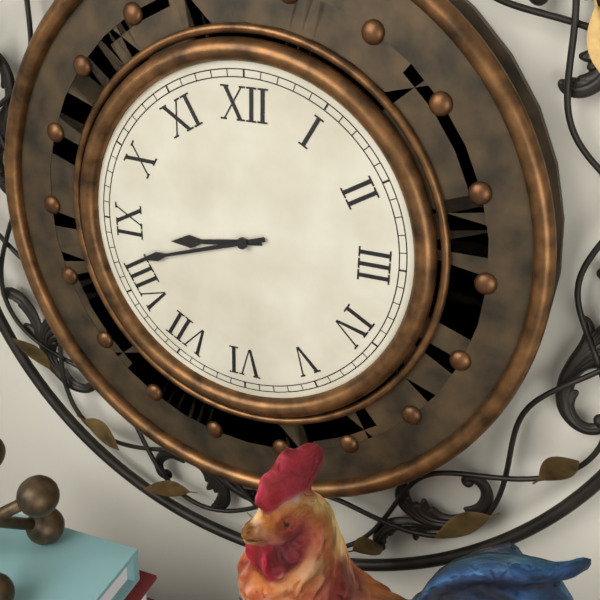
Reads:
8h42
